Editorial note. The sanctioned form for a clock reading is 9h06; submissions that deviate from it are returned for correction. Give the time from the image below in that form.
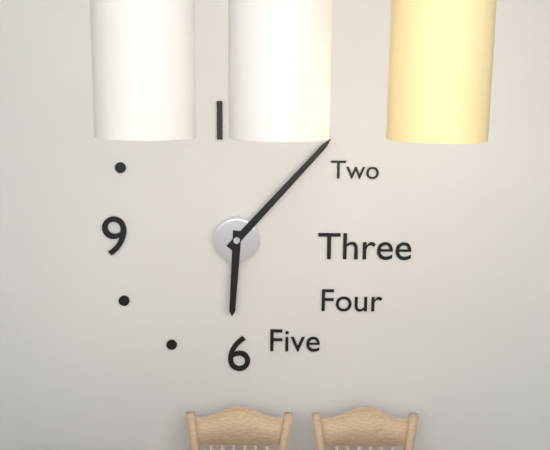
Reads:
6h07
